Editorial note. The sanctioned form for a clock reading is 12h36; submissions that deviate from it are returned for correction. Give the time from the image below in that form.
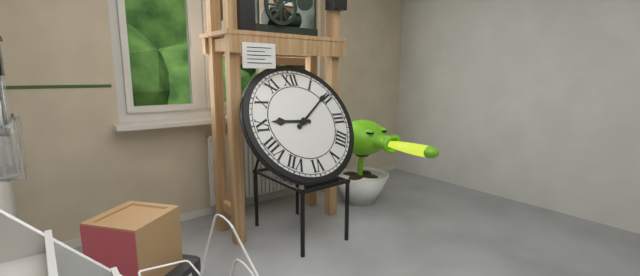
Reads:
9h09
